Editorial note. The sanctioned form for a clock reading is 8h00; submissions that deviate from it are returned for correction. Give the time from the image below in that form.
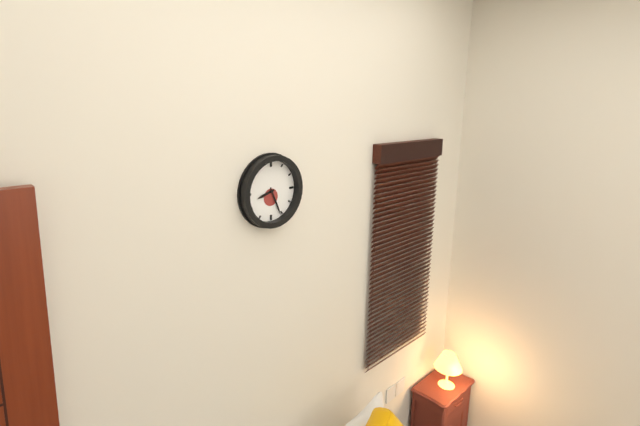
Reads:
8h26
